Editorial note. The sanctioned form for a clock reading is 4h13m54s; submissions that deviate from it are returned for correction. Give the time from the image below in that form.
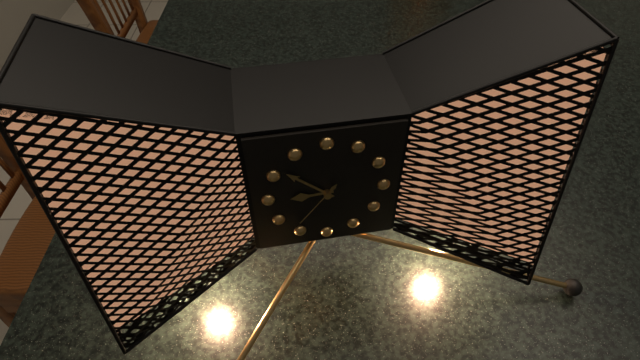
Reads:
8h52m36s
